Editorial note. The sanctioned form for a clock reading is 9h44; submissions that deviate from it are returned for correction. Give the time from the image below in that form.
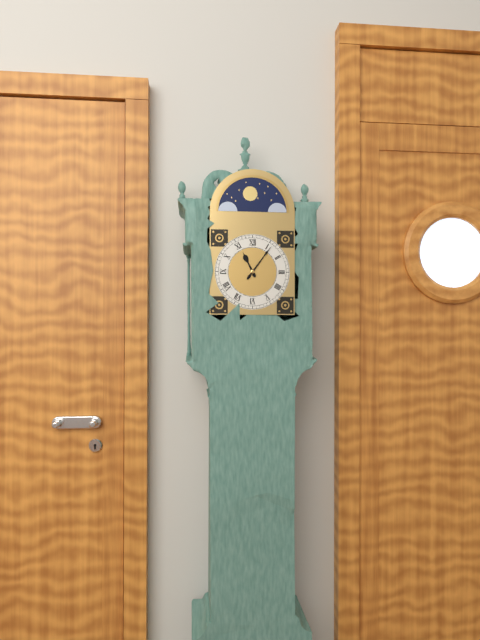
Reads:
11h06
